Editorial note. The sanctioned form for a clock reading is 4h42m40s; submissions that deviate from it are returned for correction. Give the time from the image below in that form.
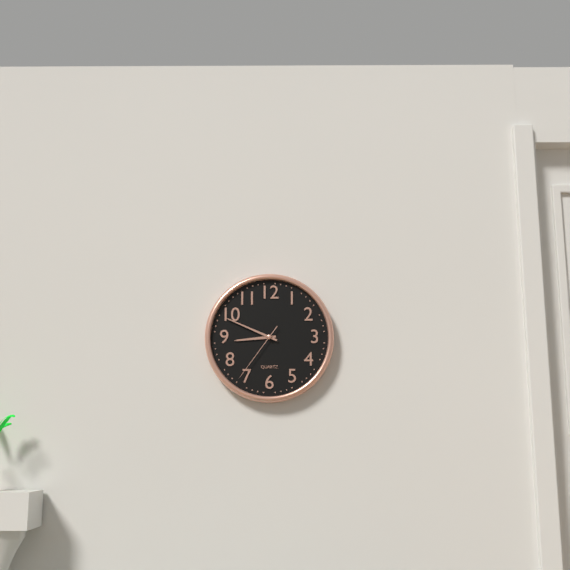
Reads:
8h49m36s
